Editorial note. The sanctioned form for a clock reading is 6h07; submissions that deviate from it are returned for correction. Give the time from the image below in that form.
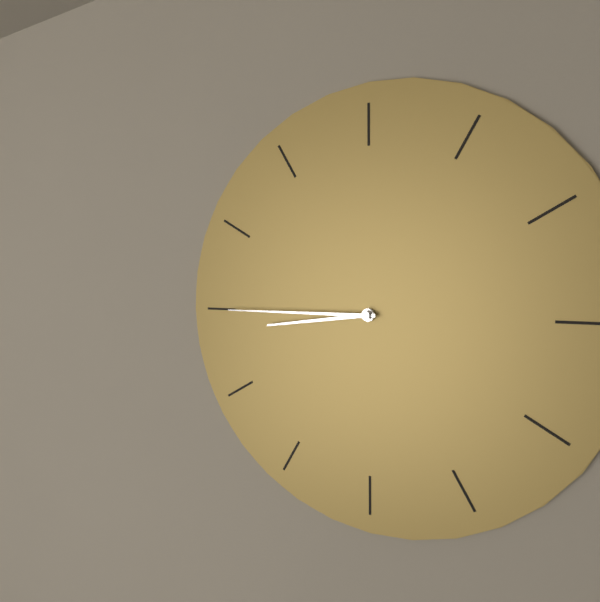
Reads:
8h45
